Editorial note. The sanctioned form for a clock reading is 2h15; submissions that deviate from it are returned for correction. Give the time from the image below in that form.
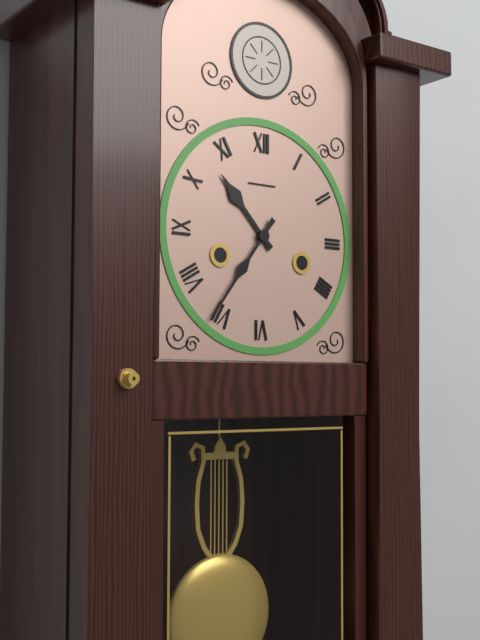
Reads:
10h36
